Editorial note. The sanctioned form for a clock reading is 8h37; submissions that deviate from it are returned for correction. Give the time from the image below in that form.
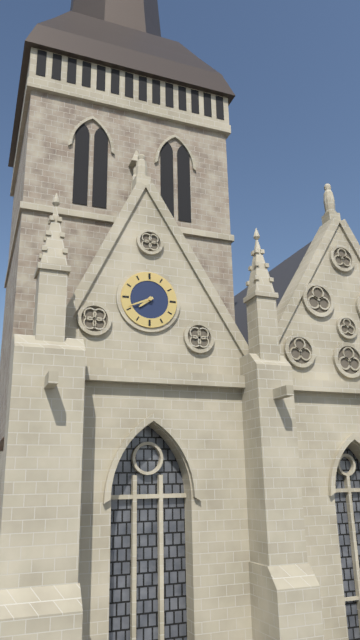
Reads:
7h41
